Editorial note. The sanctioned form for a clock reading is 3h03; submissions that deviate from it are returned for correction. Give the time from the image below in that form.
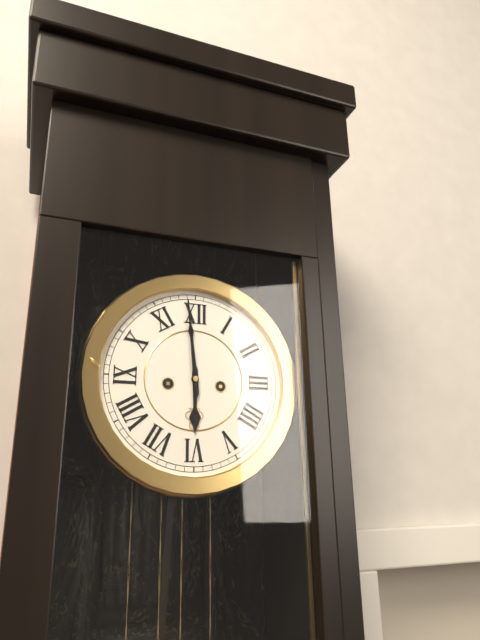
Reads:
5h59
